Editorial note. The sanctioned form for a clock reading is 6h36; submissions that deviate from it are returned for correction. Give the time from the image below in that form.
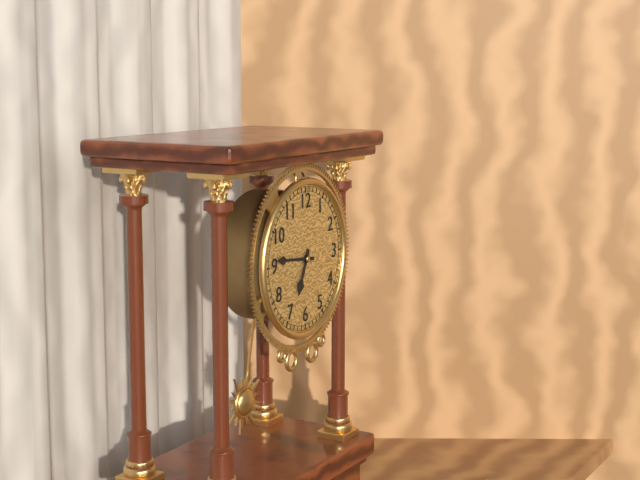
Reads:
6h46
